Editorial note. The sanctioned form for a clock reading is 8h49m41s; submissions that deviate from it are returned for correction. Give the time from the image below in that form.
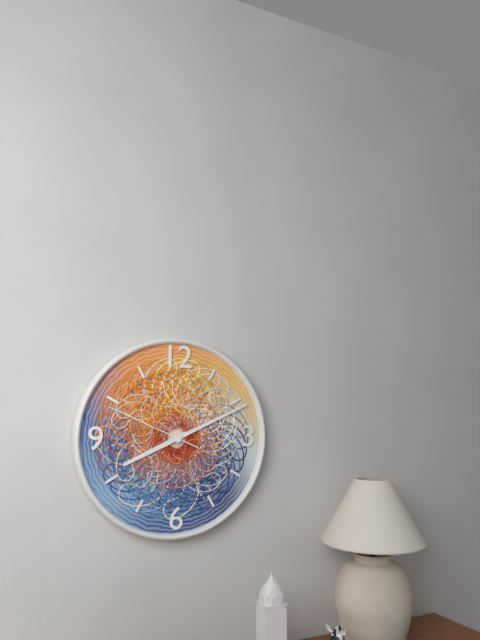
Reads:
8h11m49s
